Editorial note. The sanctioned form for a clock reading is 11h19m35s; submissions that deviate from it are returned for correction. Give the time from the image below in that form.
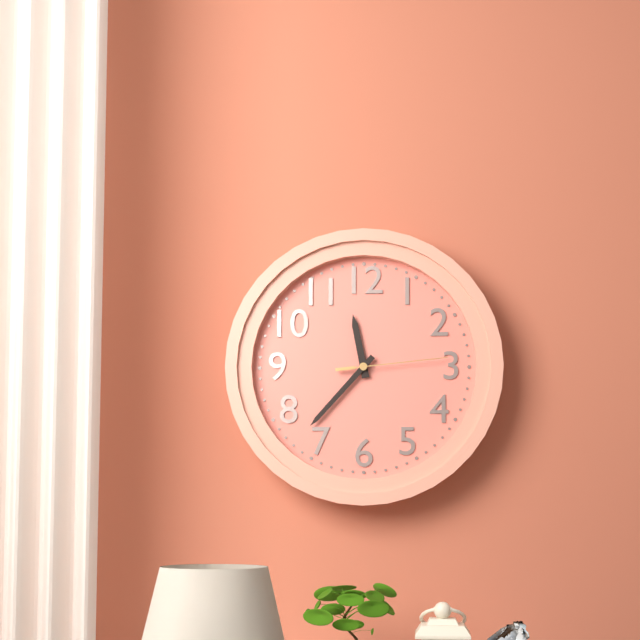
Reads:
11h37m14s
